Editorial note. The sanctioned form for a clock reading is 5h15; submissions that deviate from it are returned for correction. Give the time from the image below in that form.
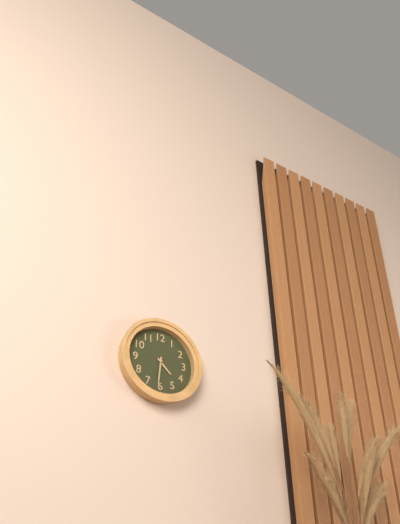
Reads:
4h31
